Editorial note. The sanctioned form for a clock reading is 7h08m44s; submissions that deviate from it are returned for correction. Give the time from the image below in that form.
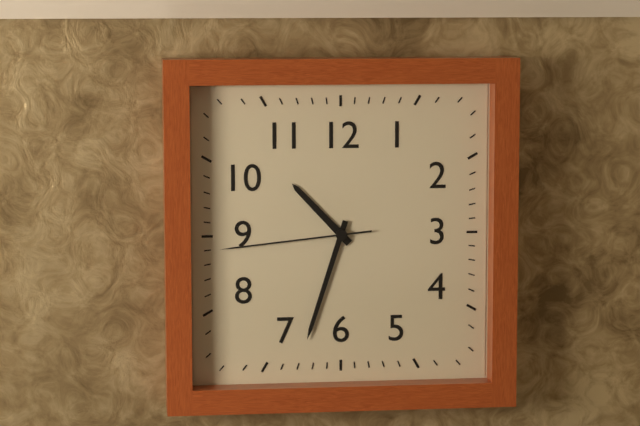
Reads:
10h33m44s
